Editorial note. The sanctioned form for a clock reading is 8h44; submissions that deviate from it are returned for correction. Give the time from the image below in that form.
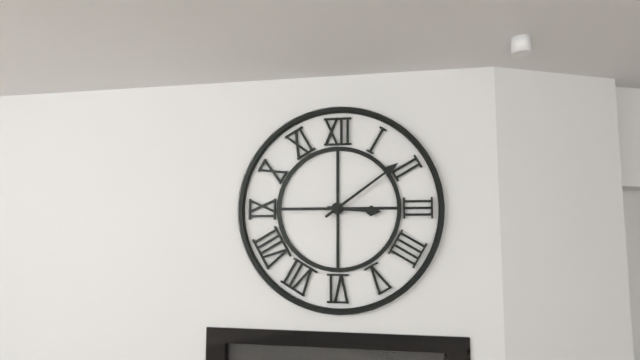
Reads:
3h09
